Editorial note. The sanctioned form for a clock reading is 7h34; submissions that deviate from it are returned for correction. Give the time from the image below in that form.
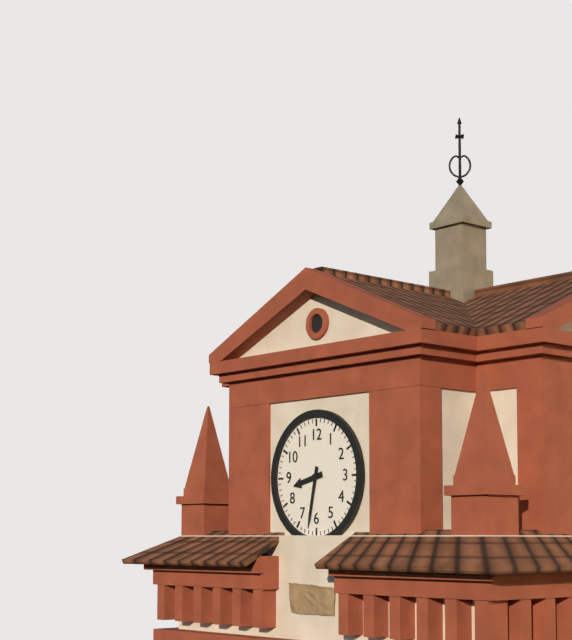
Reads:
8h32
